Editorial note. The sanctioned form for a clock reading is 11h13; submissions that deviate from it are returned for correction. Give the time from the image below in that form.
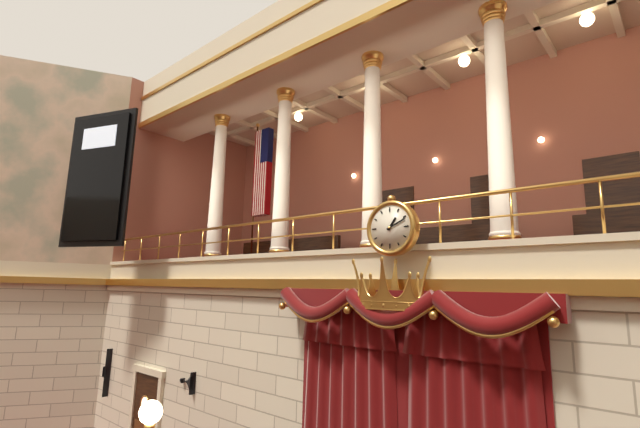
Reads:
1h11
